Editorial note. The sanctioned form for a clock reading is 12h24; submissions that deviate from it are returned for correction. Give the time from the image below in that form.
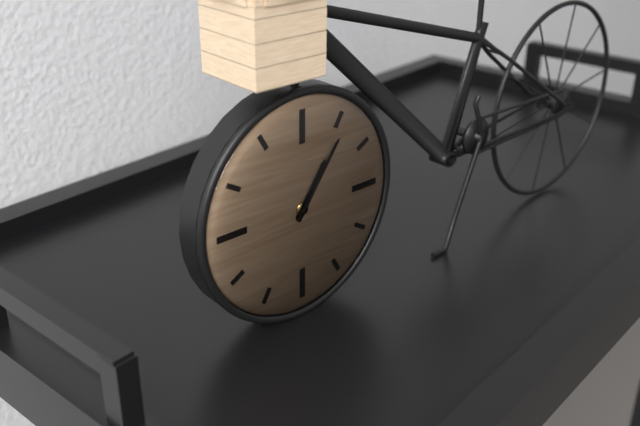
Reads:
1h06
